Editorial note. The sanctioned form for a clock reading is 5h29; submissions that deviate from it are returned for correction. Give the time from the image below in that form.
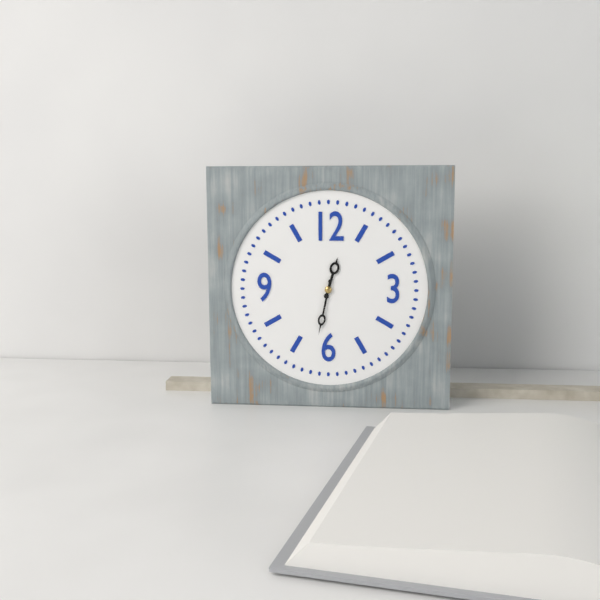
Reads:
12h32
